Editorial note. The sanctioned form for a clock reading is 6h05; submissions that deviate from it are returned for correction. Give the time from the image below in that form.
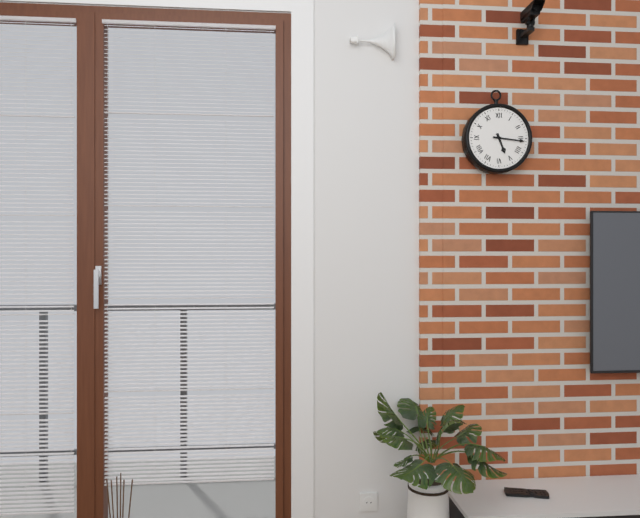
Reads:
5h16
